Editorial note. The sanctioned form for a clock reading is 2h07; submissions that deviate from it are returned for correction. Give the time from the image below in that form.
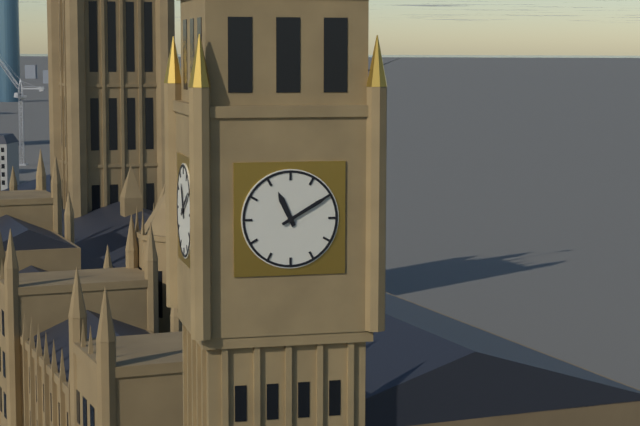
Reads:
11h10
